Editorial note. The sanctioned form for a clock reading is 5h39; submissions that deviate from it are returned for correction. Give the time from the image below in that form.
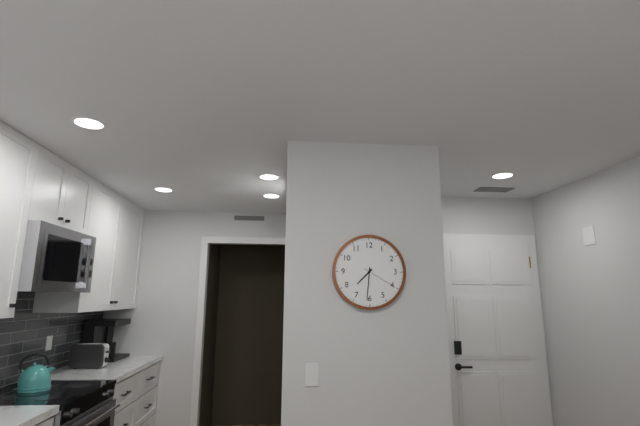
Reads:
7h31
